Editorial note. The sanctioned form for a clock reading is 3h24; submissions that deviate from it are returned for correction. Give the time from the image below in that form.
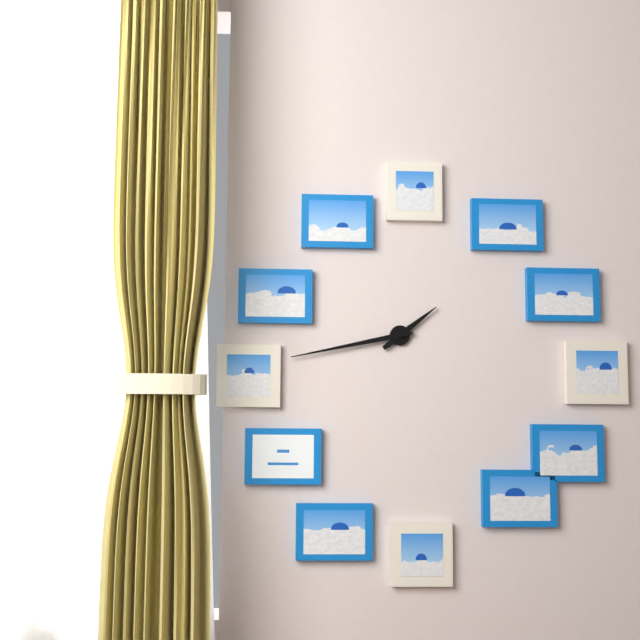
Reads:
1h43
